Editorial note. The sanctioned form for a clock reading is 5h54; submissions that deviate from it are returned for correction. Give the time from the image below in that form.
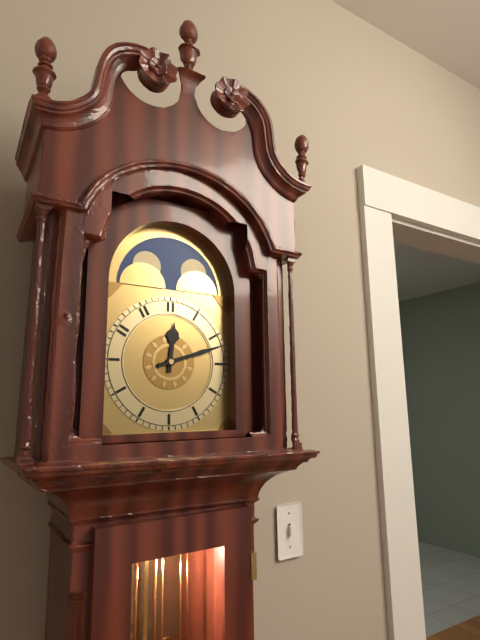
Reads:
12h12
